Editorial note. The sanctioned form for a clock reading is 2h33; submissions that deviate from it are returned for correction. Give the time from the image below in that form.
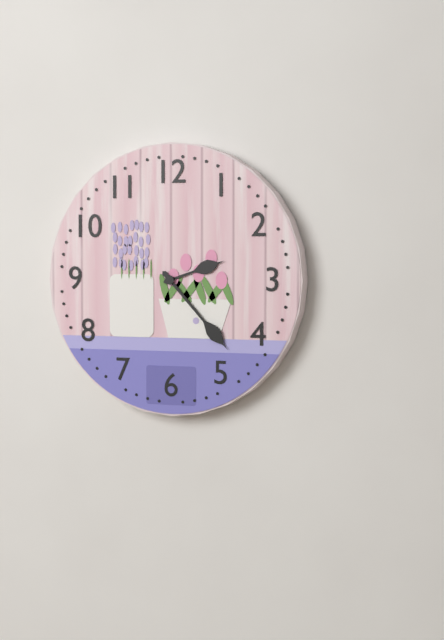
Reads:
2h23
